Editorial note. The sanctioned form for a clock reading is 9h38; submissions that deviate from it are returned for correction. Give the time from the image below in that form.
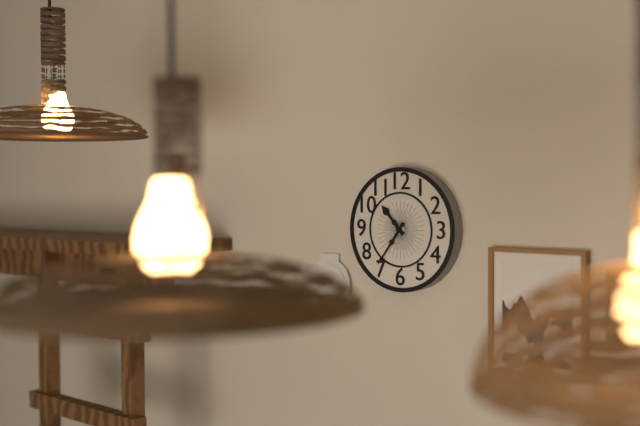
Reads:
10h36
